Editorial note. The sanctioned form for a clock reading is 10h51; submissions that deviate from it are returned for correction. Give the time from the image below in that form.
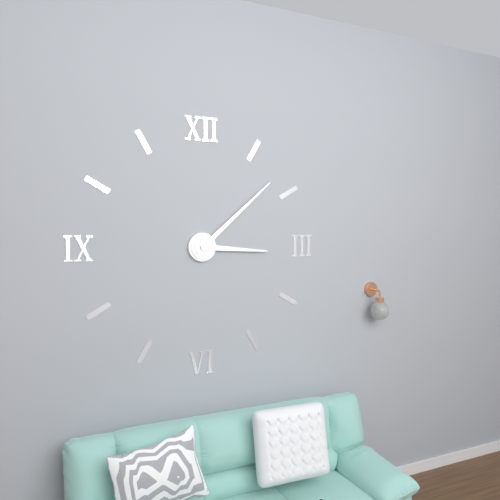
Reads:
3h08
